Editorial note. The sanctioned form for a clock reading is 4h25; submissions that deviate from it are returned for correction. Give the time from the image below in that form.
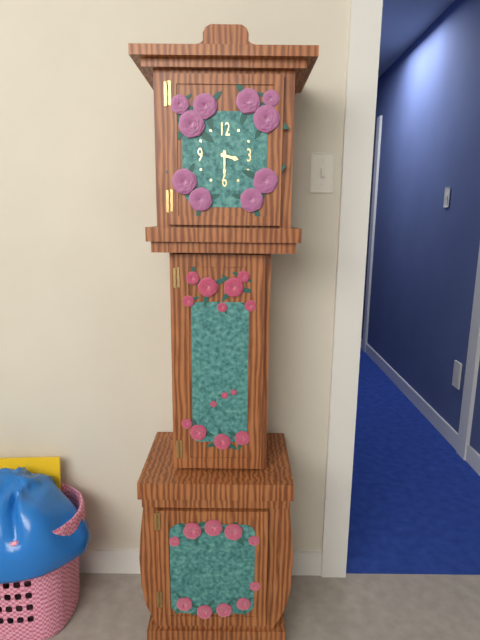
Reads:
3h30
